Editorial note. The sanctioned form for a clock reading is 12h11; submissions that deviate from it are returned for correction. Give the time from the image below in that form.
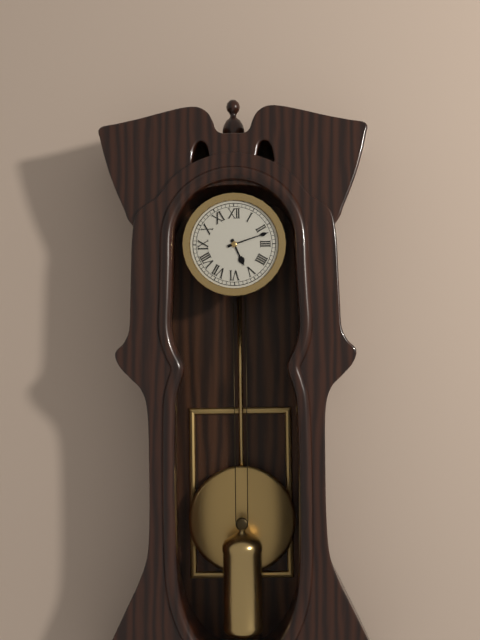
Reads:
5h12
